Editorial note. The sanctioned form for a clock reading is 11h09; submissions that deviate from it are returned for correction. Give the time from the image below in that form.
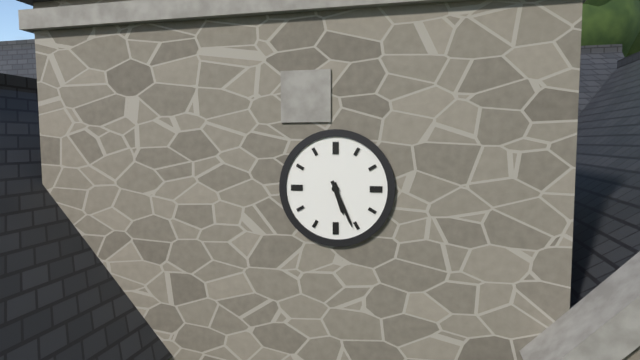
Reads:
5h26
